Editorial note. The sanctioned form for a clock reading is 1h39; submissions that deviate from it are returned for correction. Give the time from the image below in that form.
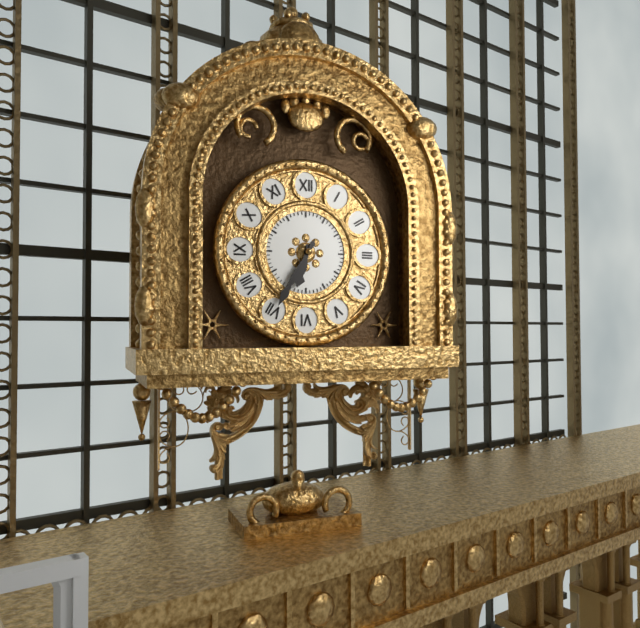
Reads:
6h35
